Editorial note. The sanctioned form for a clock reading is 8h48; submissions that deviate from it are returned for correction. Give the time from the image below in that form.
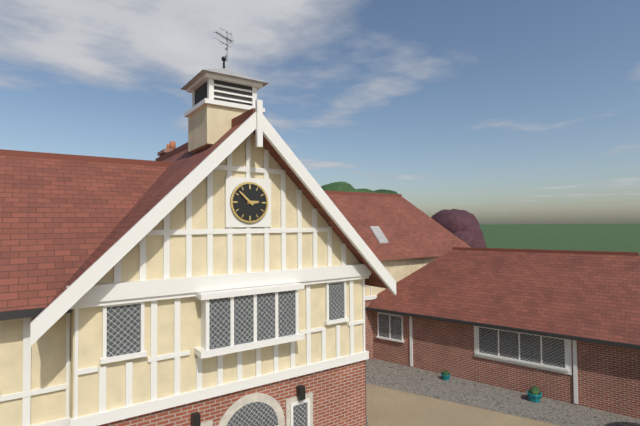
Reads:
2h52
